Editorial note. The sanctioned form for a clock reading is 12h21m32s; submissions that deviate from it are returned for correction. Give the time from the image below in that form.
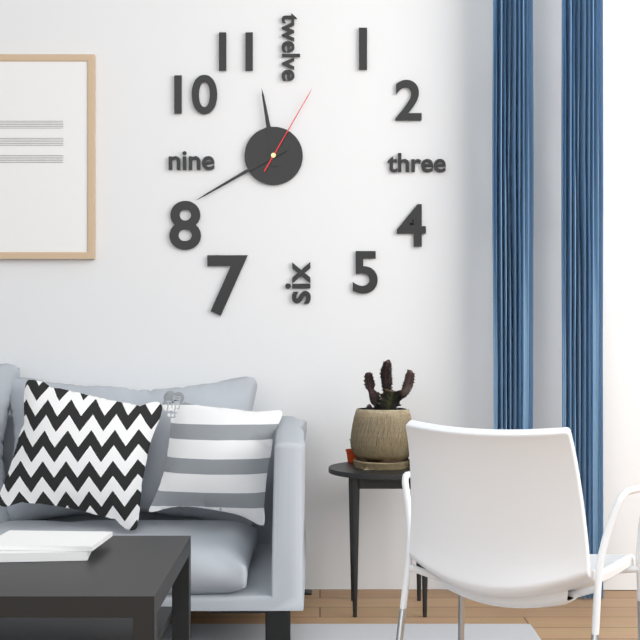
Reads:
11h40m05s
